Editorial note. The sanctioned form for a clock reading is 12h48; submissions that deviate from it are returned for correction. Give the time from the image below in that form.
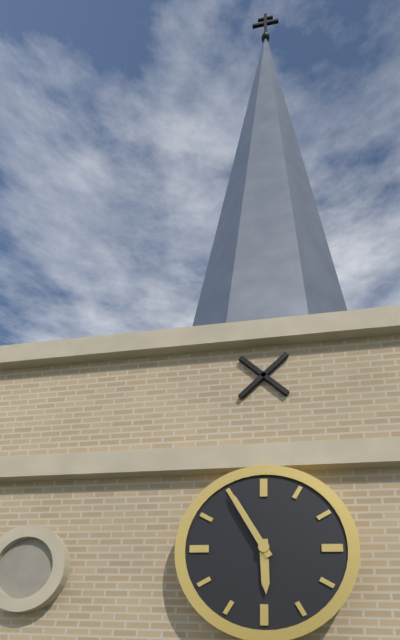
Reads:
5h55
